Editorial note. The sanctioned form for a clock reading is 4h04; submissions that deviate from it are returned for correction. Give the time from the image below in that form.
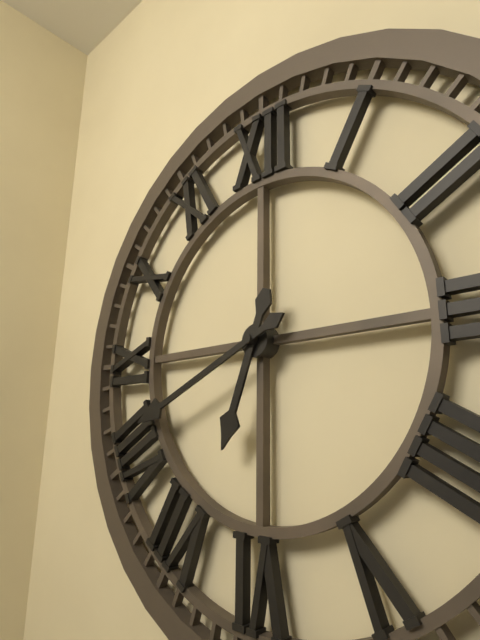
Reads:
6h41
